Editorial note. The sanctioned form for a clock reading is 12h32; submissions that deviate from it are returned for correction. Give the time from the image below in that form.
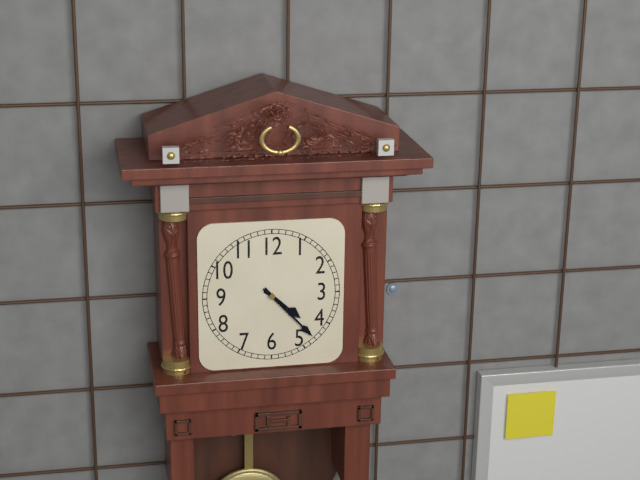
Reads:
4h23
